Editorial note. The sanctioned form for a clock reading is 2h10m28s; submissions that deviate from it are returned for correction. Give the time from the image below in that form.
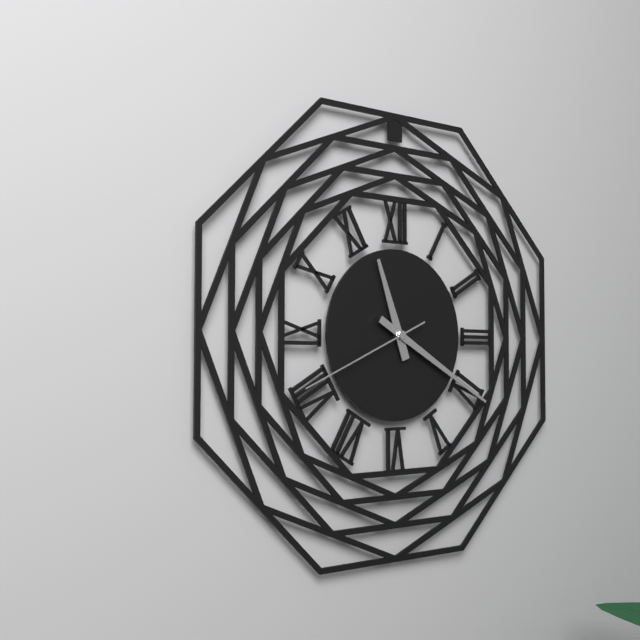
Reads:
11h20m41s
